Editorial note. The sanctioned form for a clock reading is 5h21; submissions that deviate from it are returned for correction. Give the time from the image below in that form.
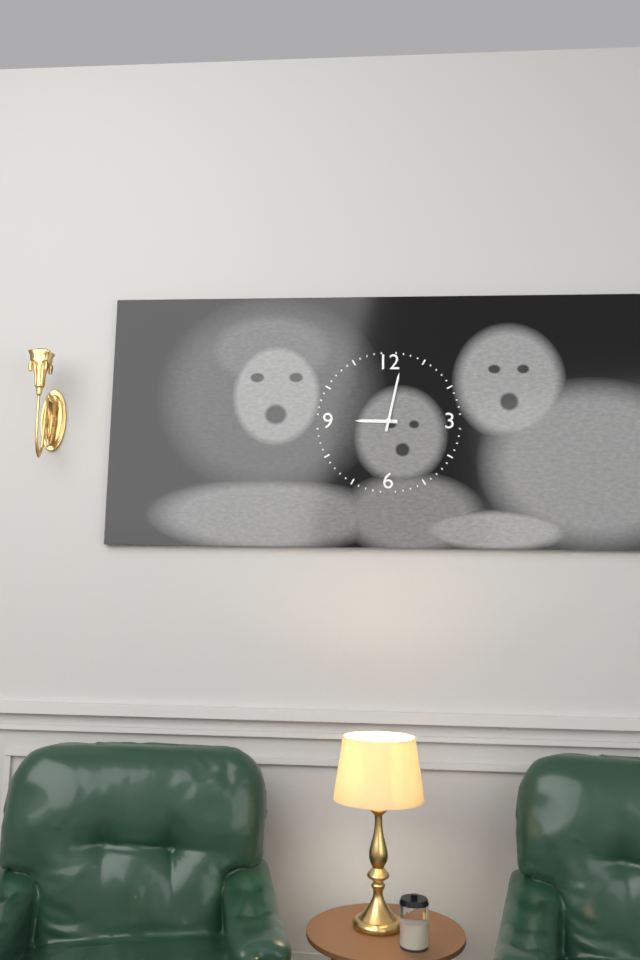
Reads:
9h02
